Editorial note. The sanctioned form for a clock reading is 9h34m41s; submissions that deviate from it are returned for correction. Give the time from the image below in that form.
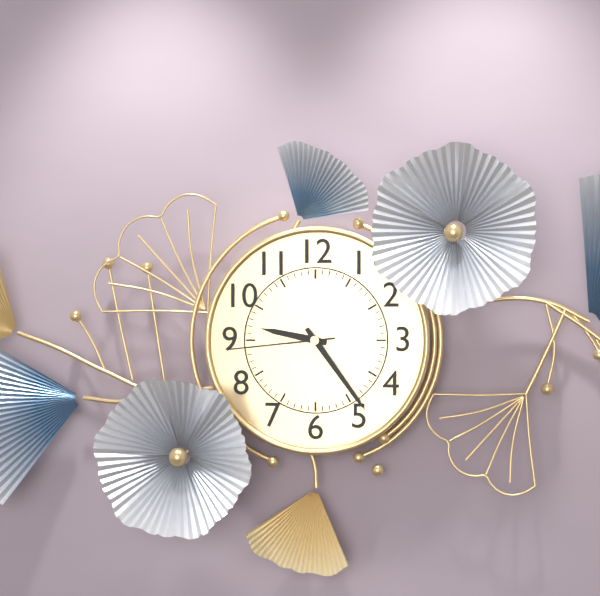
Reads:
9h24m44s
